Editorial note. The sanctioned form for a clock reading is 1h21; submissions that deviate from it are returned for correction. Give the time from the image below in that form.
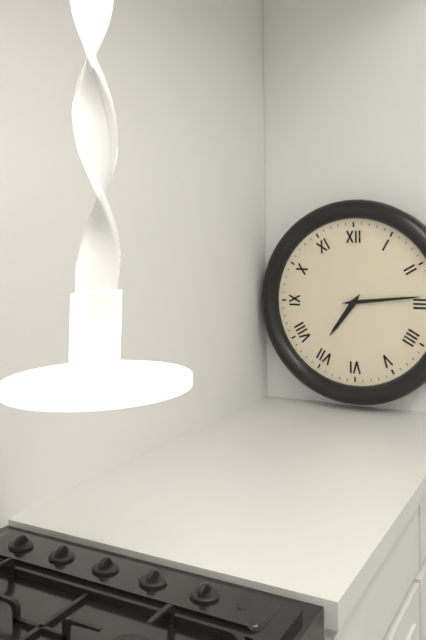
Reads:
7h14
